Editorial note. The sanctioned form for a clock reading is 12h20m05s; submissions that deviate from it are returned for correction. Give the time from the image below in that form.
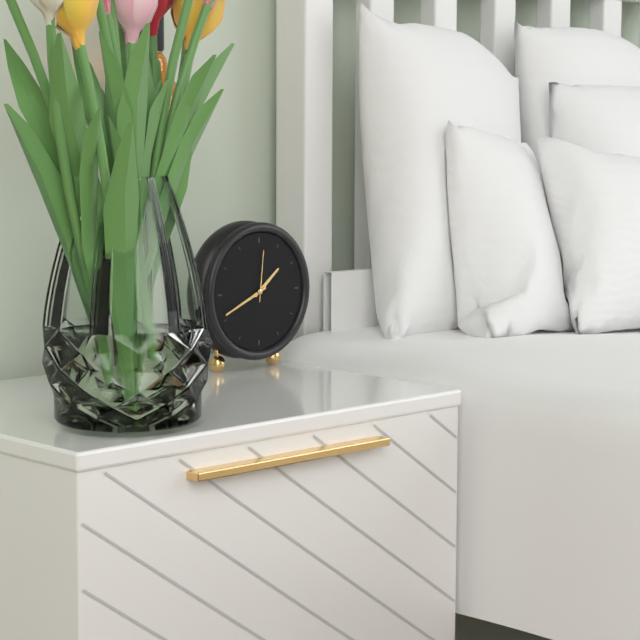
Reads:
1h41m01s
